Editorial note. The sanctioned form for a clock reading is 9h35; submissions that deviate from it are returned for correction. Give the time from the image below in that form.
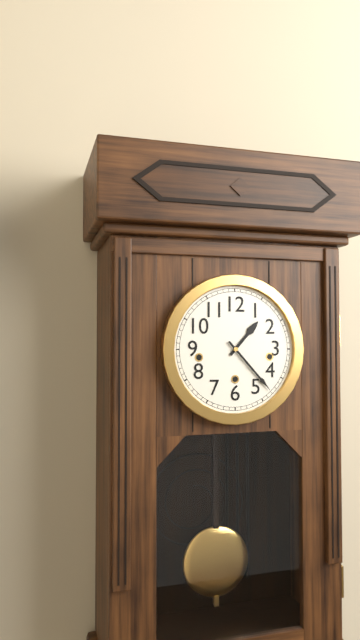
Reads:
1h23
